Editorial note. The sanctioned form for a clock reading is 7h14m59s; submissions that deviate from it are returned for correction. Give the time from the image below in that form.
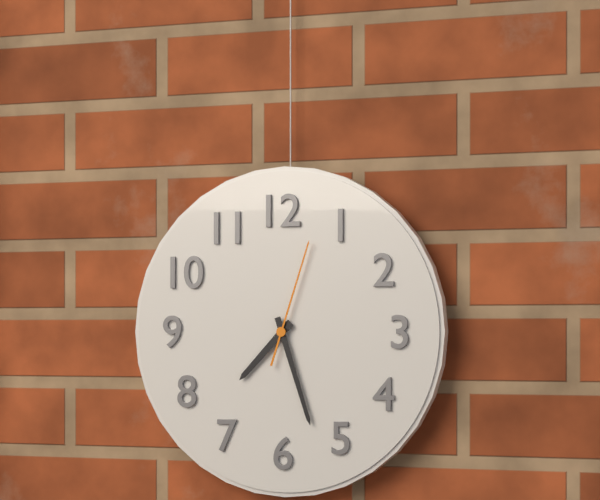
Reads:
7h27m03s
